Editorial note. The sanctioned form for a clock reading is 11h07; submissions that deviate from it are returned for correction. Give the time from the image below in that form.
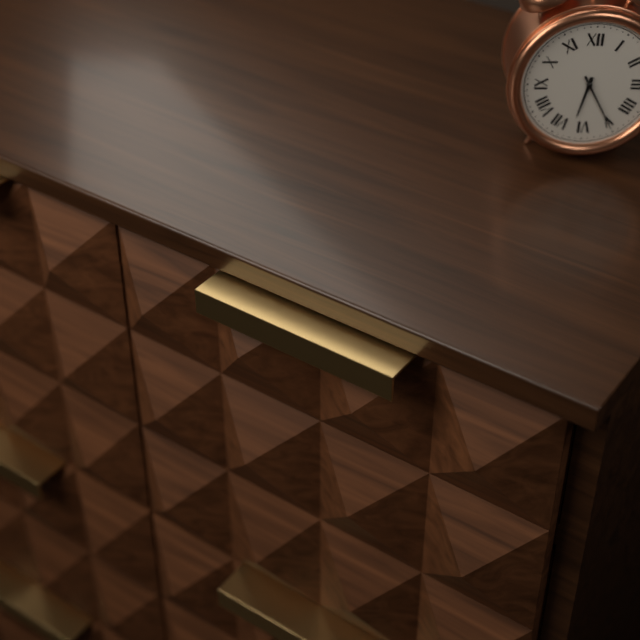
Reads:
6h25
